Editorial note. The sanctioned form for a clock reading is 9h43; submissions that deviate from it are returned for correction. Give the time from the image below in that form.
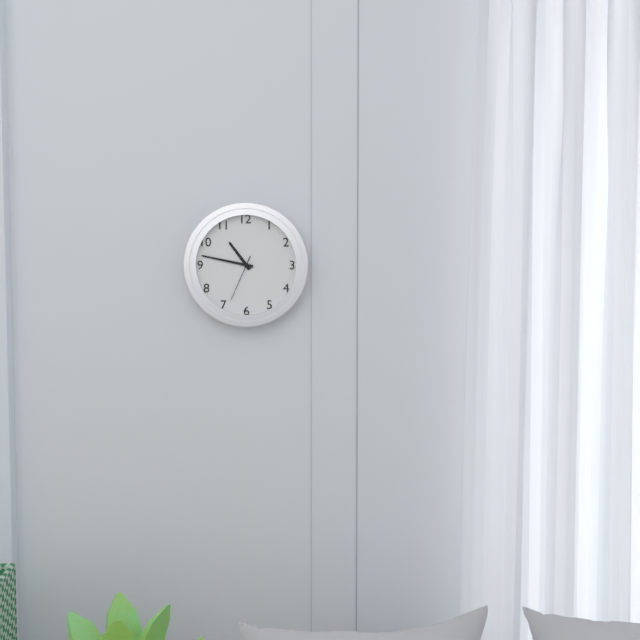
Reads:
10h47
